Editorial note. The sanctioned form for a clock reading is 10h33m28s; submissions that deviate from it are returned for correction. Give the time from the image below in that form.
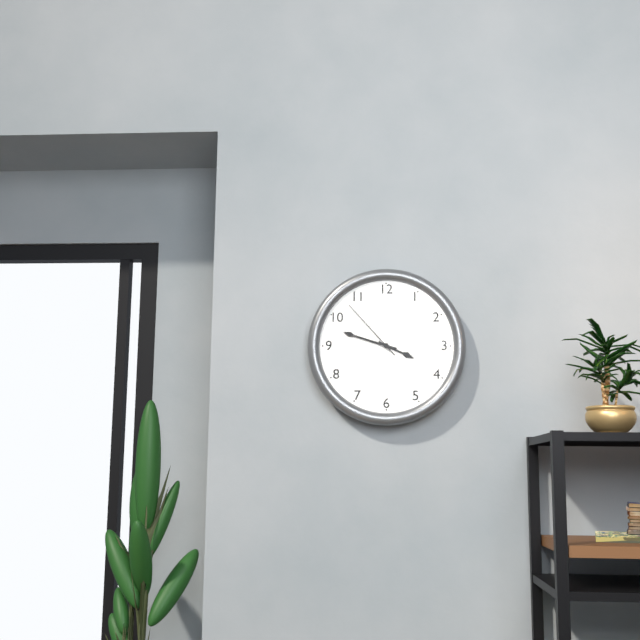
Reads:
3h48m53s
